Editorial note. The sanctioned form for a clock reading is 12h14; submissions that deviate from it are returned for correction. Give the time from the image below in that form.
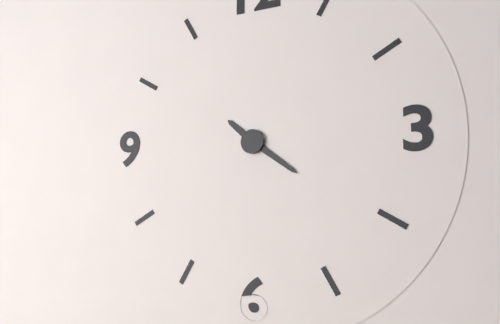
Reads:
10h21
